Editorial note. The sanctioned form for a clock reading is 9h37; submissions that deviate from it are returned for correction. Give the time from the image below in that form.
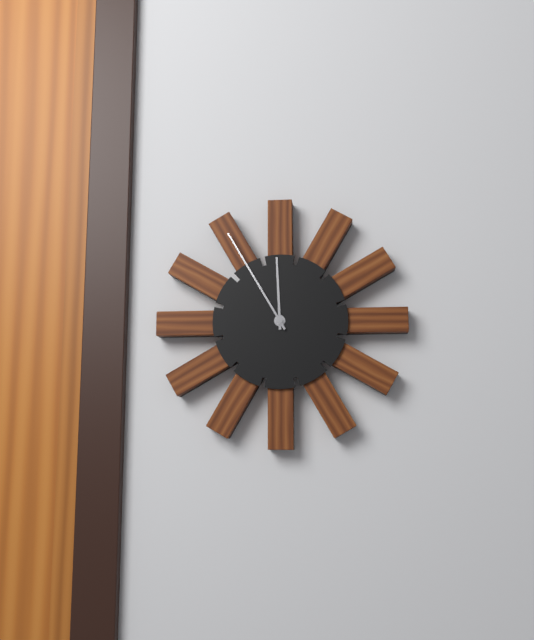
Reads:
11h55
